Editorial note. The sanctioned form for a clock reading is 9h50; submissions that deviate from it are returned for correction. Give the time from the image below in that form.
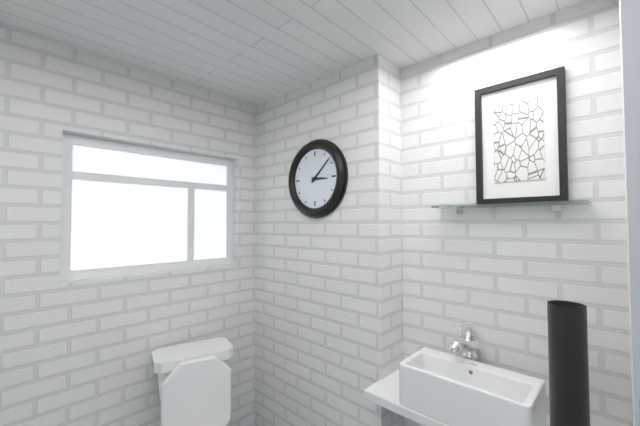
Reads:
3h08
